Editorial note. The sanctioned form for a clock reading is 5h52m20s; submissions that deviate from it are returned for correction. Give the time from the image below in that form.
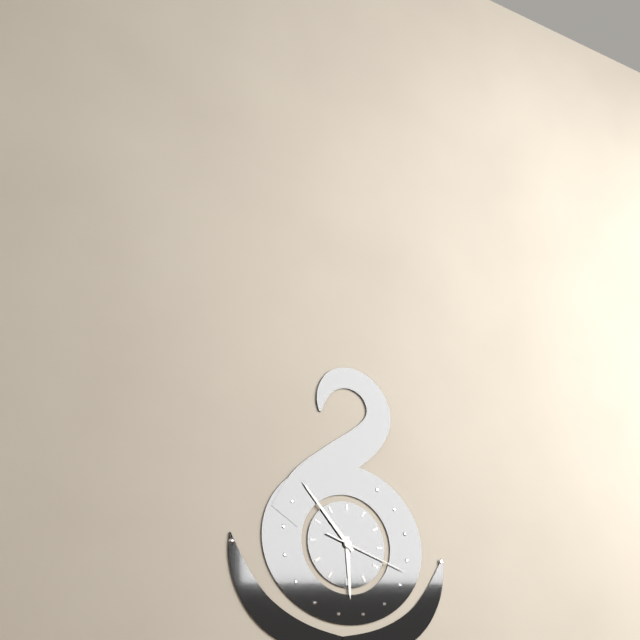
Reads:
5h53m18s
